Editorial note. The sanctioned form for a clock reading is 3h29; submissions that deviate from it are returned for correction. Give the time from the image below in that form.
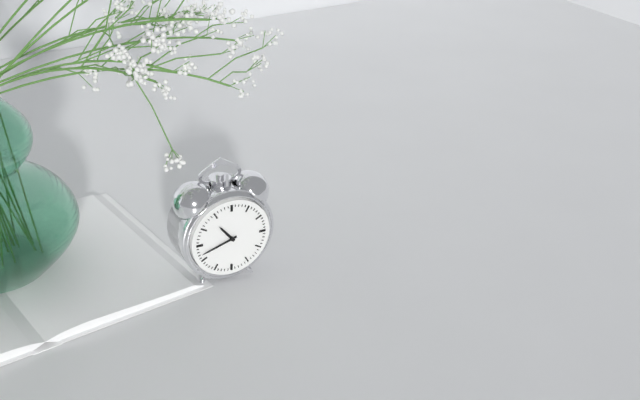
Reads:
10h42
